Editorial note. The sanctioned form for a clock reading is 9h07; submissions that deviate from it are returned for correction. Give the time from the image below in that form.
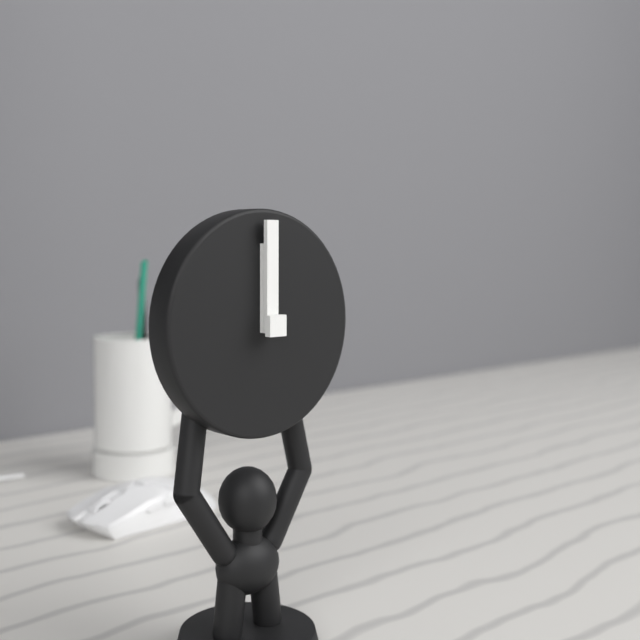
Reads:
12h00
